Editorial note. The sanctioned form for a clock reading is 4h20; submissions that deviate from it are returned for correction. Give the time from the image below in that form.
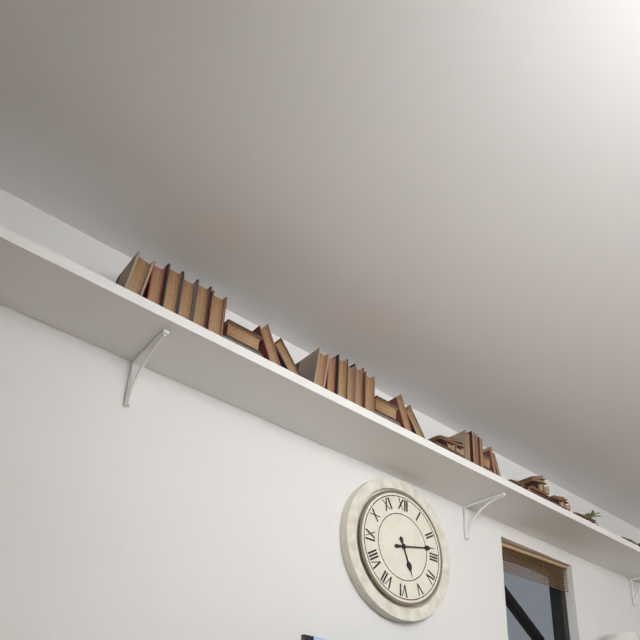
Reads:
5h13
